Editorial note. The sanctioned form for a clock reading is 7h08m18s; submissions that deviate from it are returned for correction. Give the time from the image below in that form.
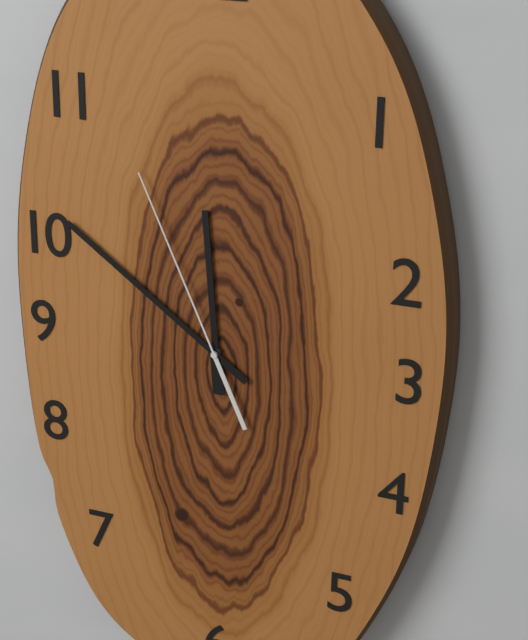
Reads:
11h51m56s
